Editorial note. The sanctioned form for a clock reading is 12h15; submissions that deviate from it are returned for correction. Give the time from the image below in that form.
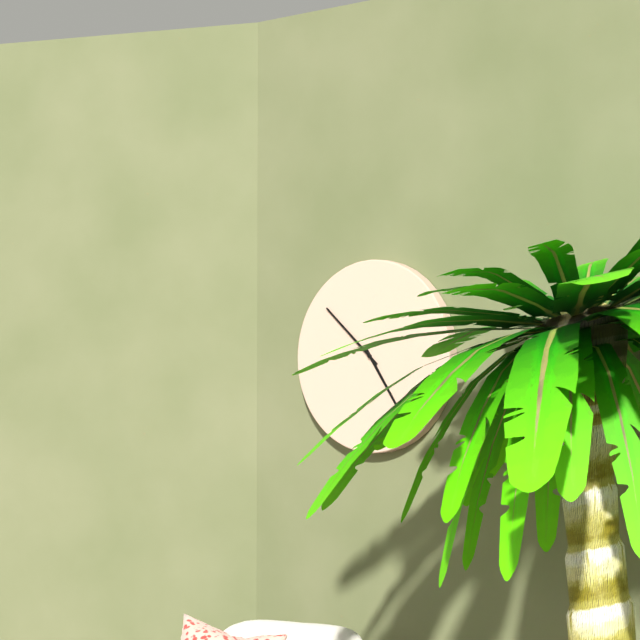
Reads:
4h52
